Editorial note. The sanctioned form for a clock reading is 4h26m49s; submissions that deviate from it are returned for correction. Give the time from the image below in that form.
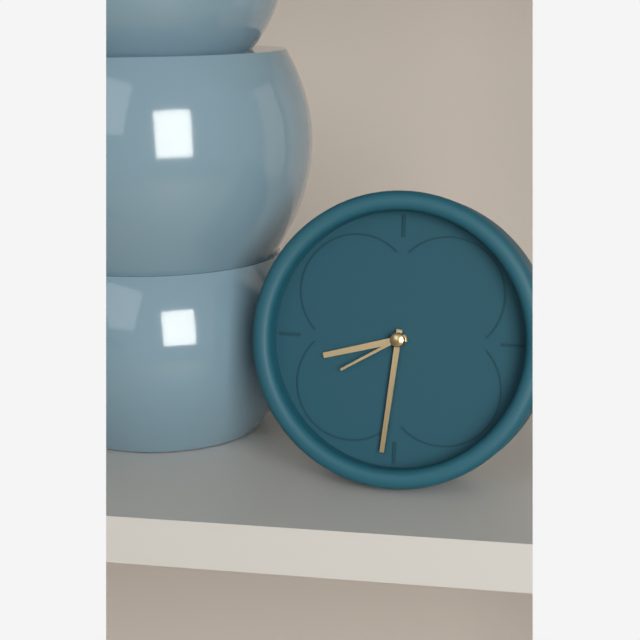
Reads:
8h31m40s
